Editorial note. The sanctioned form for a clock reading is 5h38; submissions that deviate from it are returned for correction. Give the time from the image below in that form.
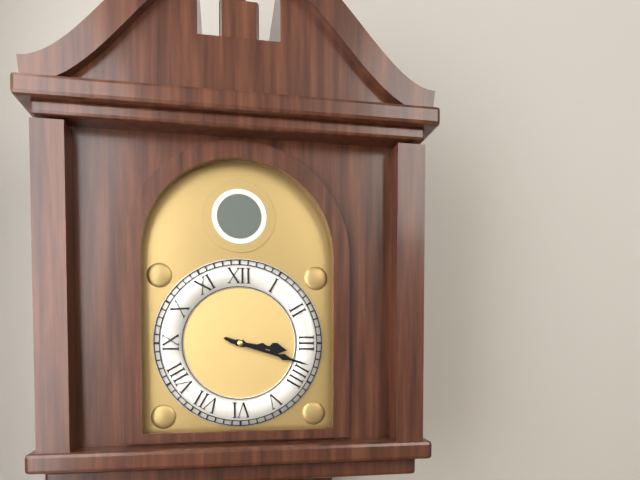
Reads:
3h18
